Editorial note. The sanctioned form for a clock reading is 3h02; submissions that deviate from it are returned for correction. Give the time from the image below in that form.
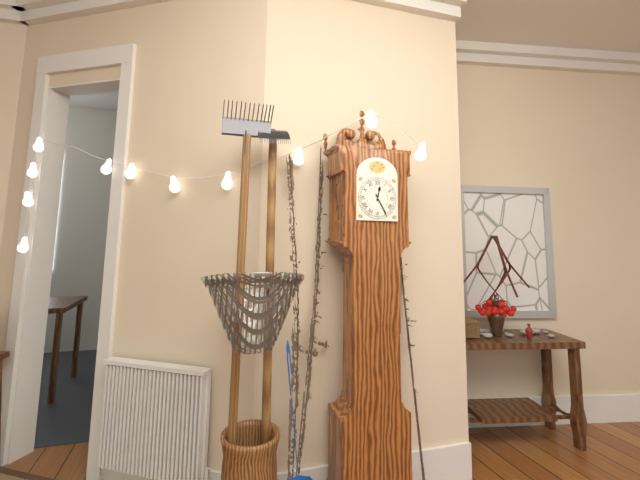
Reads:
12h25
